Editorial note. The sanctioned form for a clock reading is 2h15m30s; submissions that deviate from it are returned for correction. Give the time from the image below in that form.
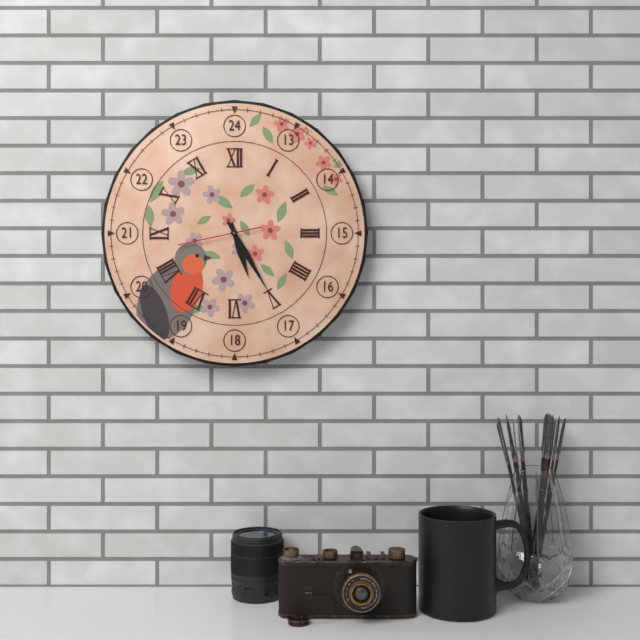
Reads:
5h25m43s
